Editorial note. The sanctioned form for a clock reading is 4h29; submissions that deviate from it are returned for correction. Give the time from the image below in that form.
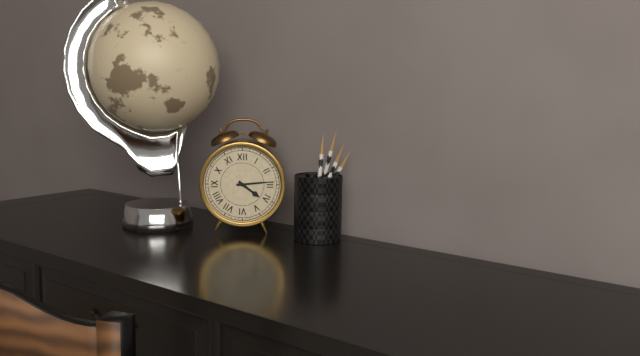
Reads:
4h14
